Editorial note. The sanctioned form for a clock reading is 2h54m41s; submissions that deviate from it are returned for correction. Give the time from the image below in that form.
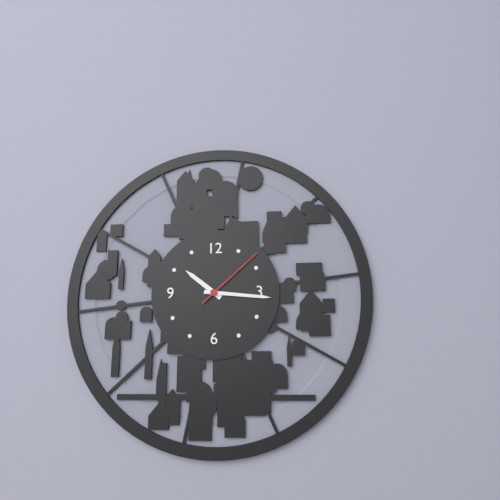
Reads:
10h16m08s
